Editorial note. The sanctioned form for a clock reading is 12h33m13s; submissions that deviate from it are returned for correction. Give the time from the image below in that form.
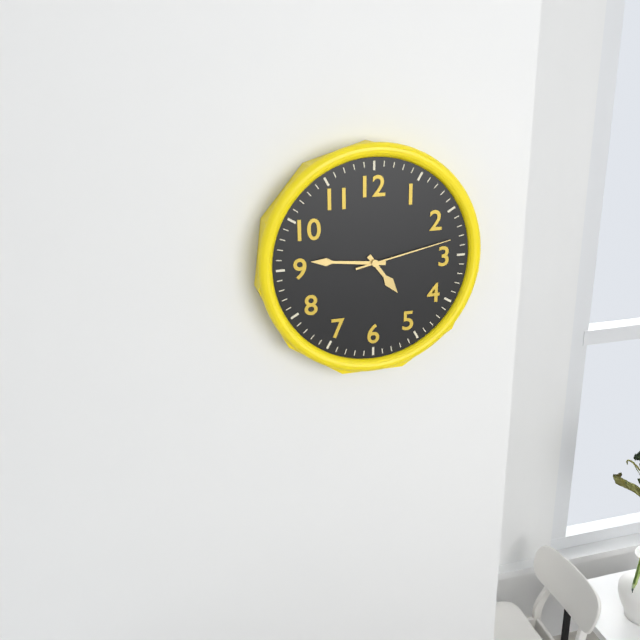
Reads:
4h46m13s
